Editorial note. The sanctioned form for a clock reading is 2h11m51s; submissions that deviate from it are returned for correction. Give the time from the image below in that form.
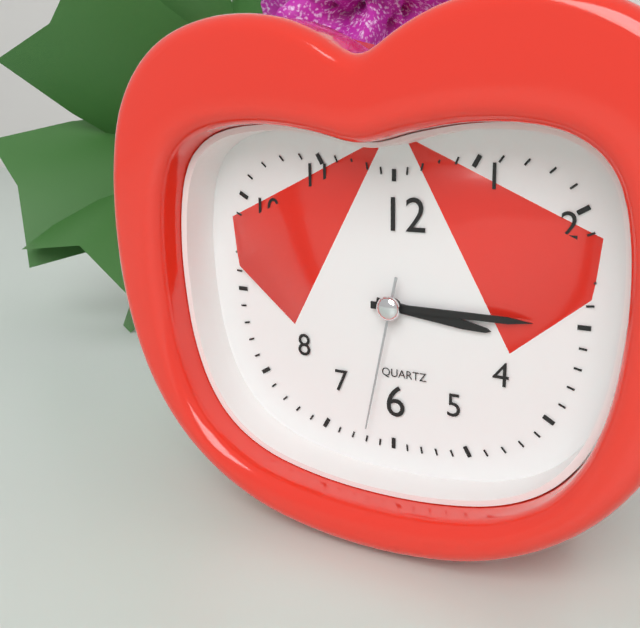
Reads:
3h15m32s
